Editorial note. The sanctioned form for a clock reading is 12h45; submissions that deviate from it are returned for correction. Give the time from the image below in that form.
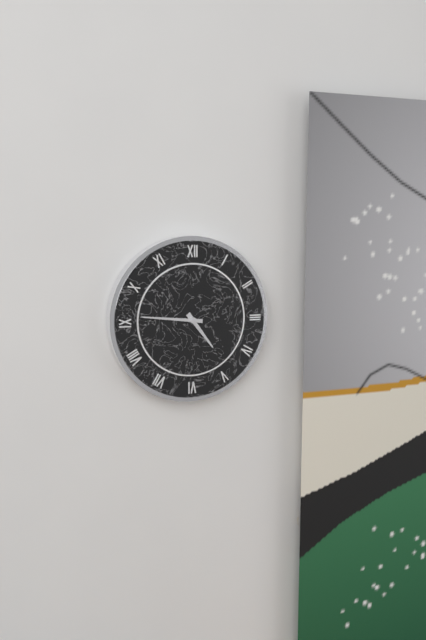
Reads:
4h46
